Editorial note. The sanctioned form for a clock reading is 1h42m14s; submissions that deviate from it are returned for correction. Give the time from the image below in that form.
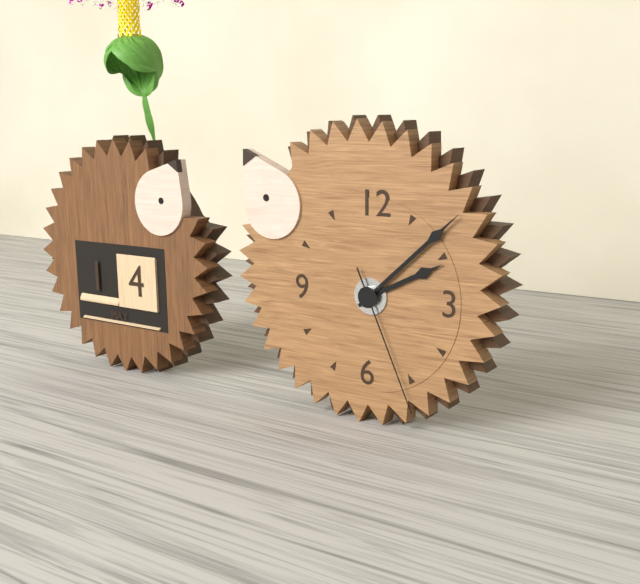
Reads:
2h08m26s
